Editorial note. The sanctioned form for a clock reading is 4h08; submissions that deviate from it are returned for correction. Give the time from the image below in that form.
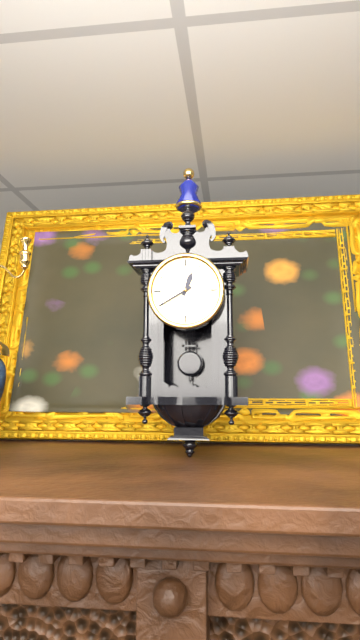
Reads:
12h40
